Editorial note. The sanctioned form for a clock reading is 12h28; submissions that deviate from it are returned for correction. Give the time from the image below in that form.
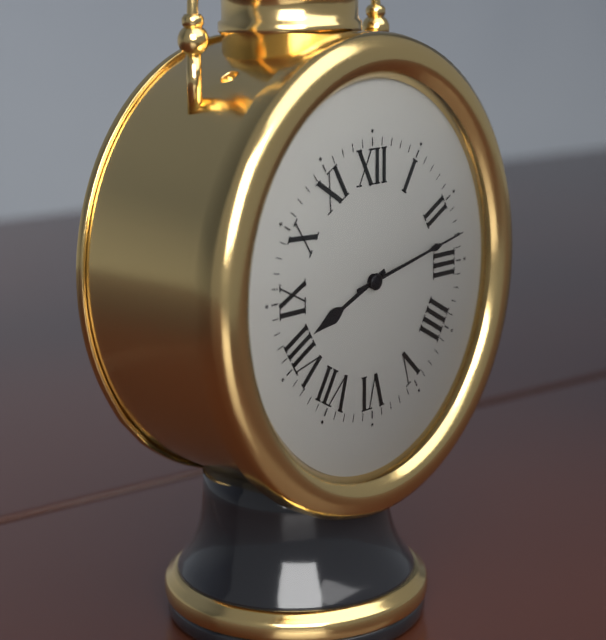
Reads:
8h13
